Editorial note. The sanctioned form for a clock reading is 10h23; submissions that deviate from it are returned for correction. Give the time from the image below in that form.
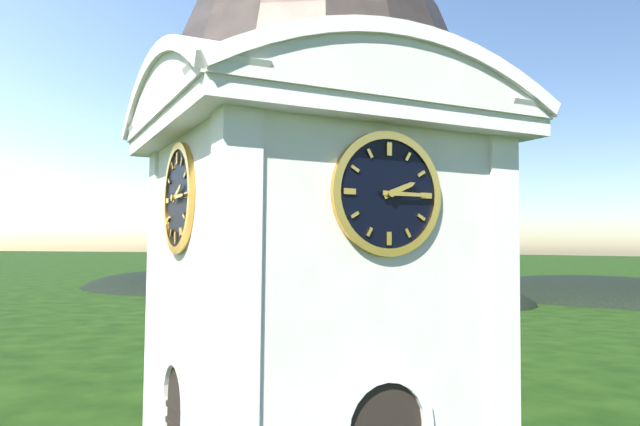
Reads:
2h15
